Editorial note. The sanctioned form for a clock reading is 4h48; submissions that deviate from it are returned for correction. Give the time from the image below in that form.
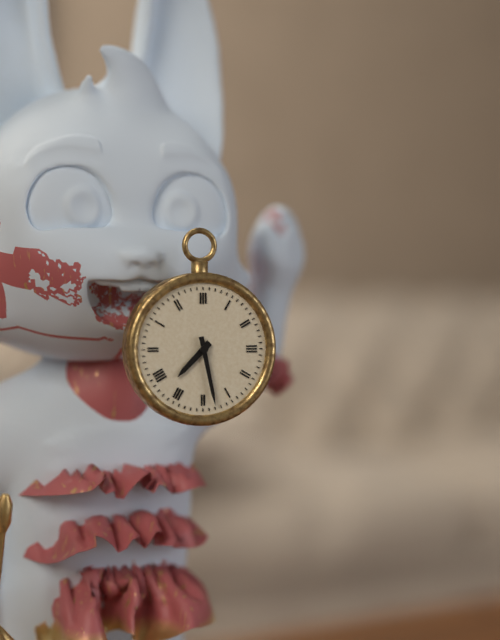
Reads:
7h28
